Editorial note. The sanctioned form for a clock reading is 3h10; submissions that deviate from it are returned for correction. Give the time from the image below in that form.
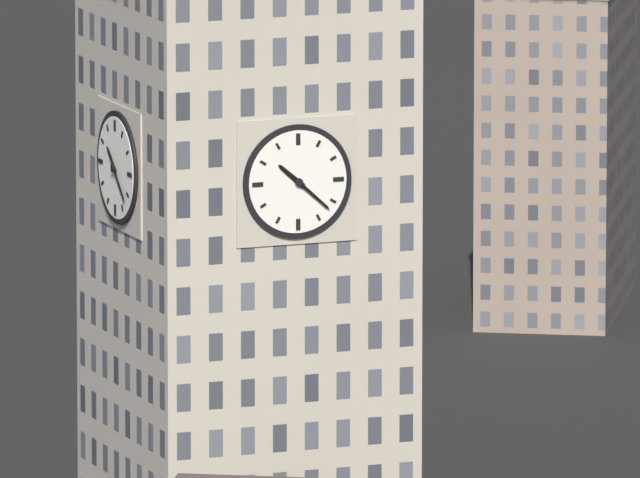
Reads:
10h22
